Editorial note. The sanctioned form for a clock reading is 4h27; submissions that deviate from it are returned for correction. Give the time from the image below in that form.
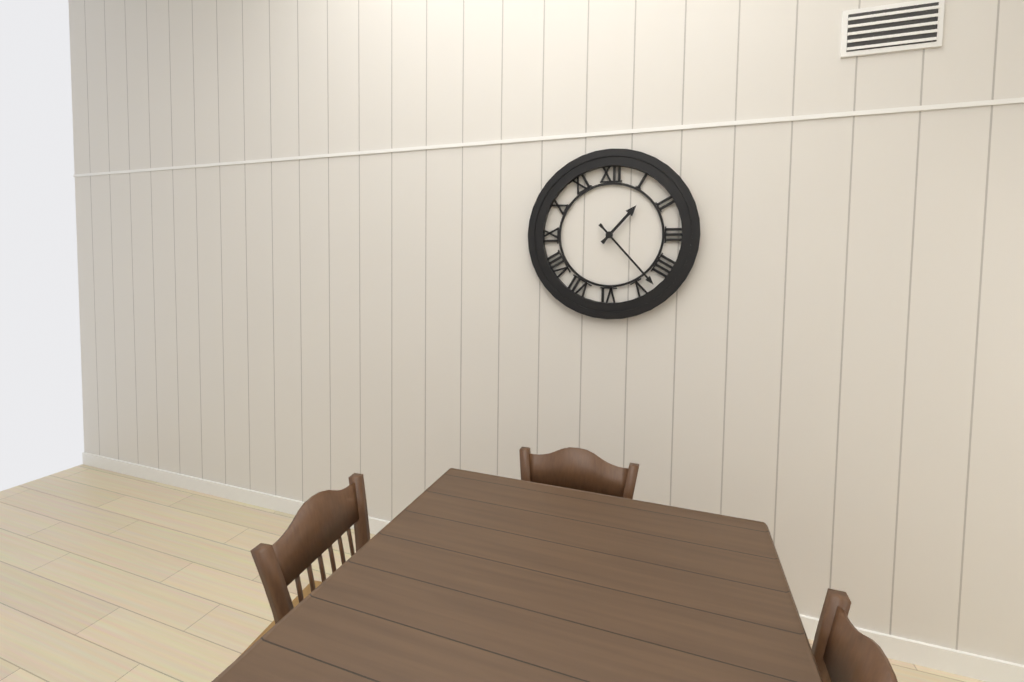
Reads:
1h23
